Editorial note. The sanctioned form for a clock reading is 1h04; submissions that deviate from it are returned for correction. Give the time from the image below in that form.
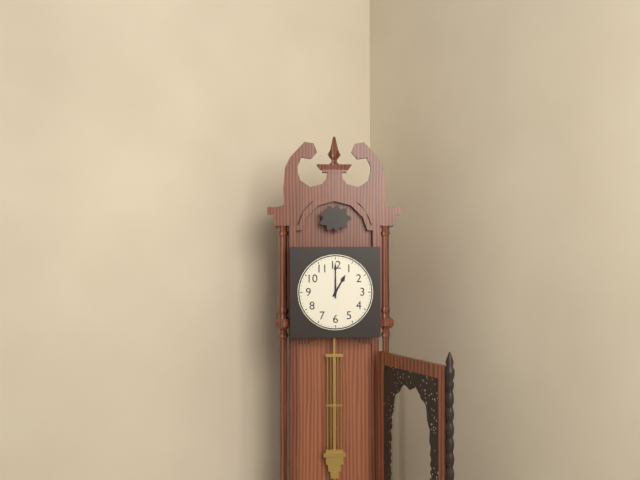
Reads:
1h00
